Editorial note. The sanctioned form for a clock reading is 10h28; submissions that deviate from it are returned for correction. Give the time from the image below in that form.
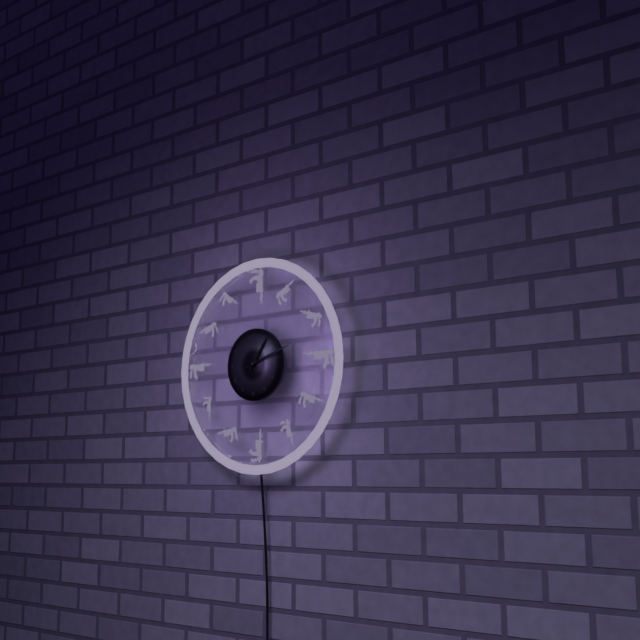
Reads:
1h12
